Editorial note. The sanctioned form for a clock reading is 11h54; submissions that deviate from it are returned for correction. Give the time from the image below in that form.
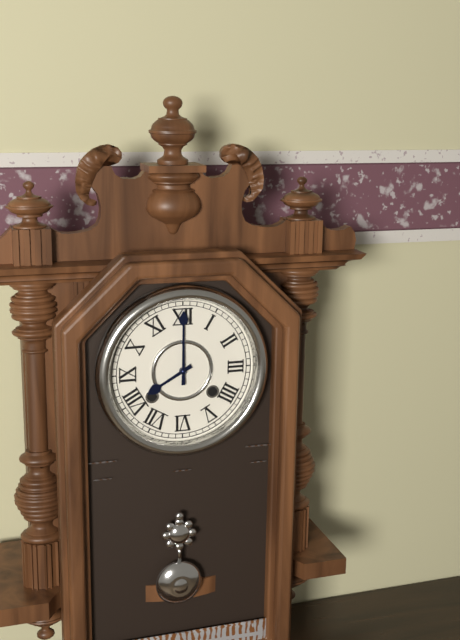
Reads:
8h00
